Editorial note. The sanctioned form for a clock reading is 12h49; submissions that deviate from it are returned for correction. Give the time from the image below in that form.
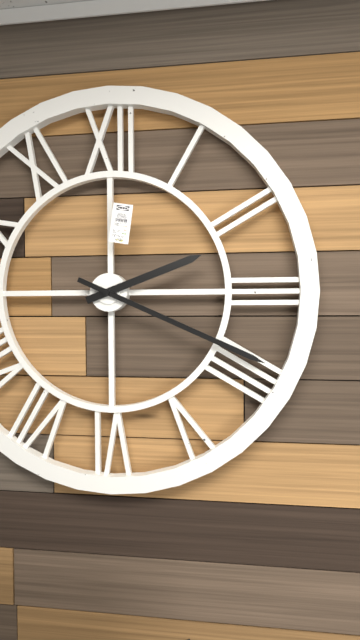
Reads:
2h19
